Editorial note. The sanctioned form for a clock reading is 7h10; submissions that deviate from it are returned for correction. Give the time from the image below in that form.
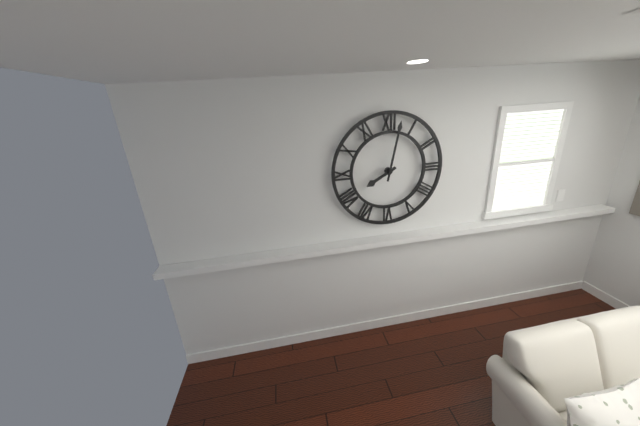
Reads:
8h02
